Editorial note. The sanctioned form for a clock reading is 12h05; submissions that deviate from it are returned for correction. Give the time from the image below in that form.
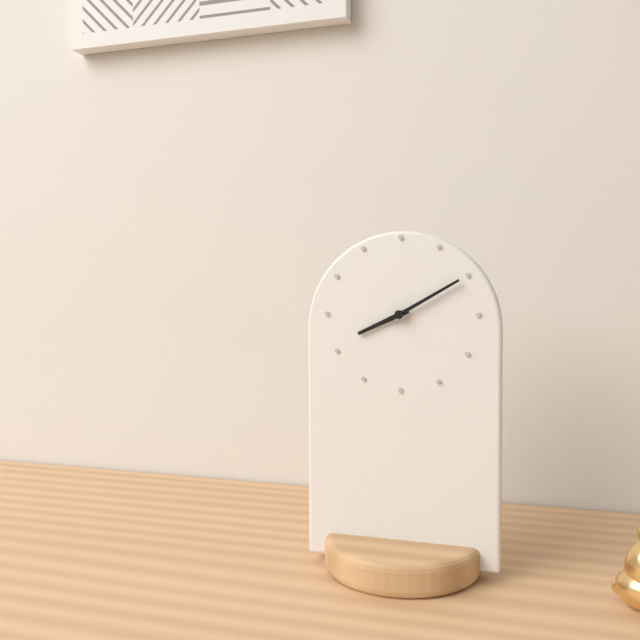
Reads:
8h10
